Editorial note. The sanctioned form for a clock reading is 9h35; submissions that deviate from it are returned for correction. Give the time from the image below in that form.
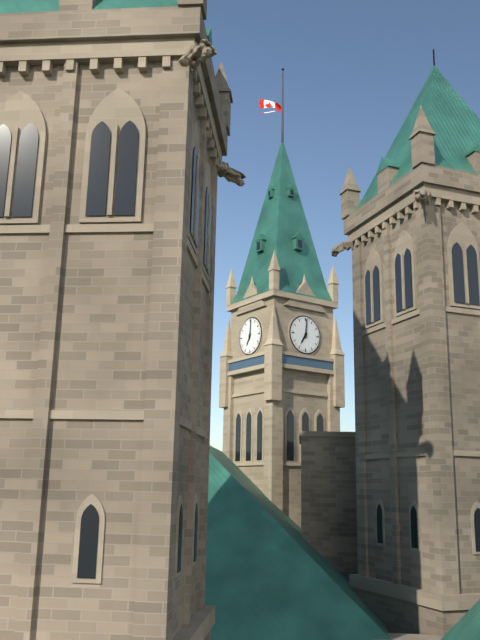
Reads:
7h01
